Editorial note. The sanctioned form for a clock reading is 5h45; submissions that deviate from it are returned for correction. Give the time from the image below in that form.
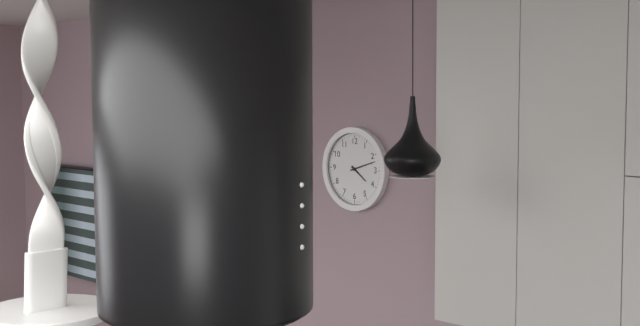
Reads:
4h12
